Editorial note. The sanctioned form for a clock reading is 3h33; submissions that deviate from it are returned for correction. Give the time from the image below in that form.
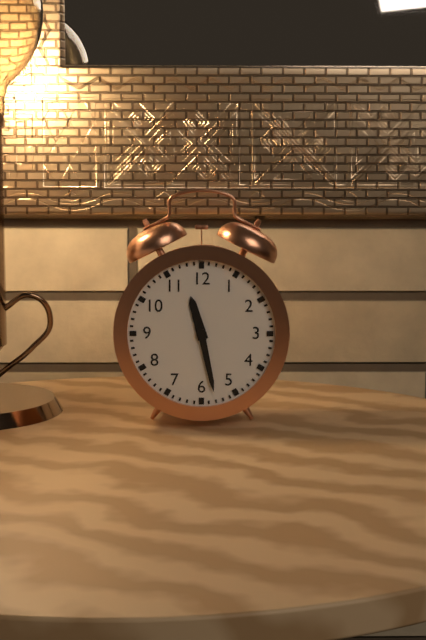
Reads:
11h28
